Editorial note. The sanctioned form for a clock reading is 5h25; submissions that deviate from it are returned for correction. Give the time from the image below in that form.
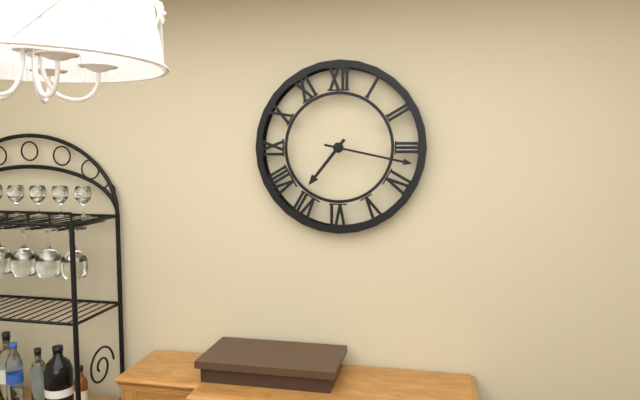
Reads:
7h17
